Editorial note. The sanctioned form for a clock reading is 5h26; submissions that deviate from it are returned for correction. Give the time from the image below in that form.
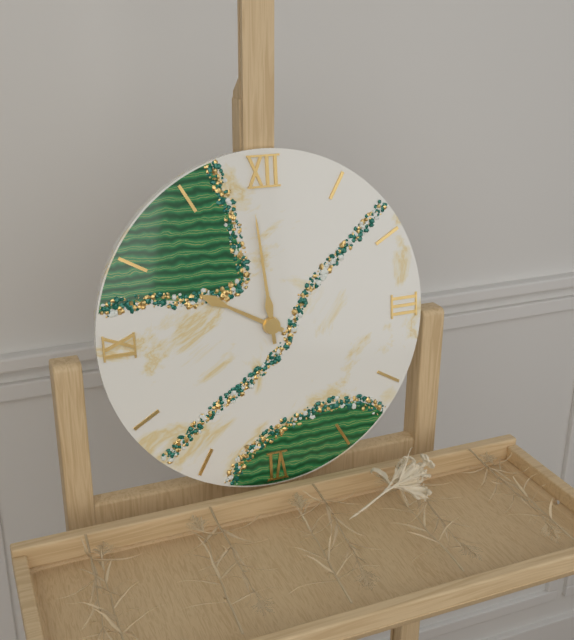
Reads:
9h59
